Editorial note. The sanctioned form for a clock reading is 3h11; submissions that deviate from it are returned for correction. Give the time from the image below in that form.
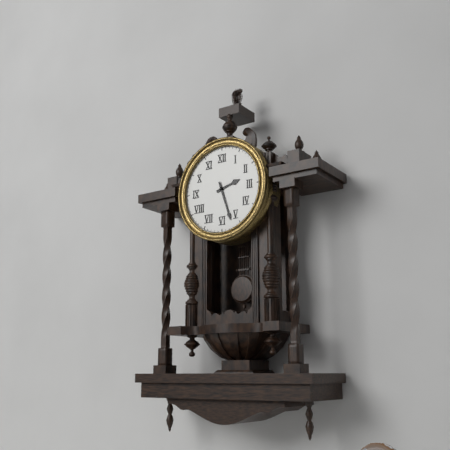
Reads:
2h27
